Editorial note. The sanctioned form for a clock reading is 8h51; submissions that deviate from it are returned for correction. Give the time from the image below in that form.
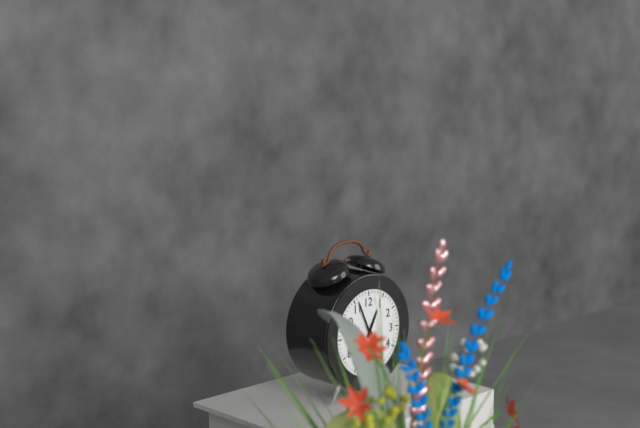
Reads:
12h56
